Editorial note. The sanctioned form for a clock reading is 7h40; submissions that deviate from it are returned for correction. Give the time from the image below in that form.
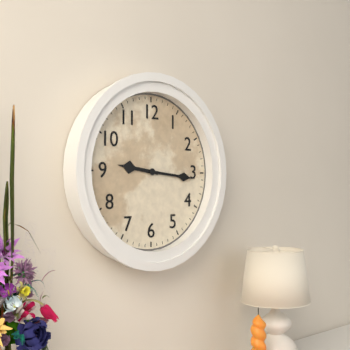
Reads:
9h16
